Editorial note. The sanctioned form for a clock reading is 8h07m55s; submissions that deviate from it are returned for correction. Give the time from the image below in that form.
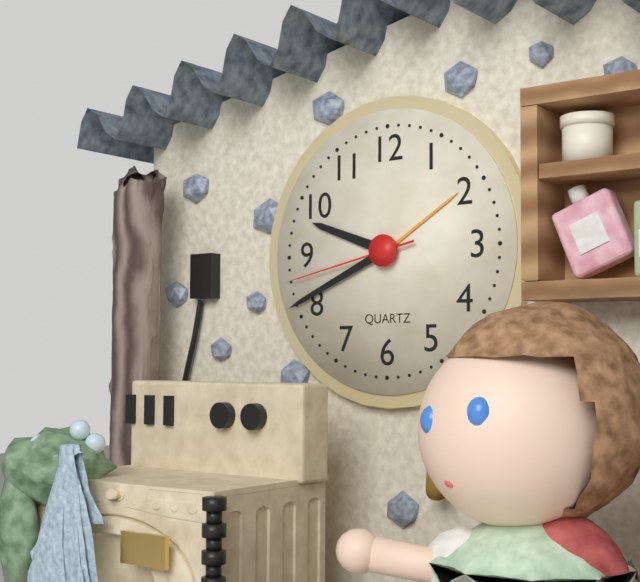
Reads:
9h41m43s
